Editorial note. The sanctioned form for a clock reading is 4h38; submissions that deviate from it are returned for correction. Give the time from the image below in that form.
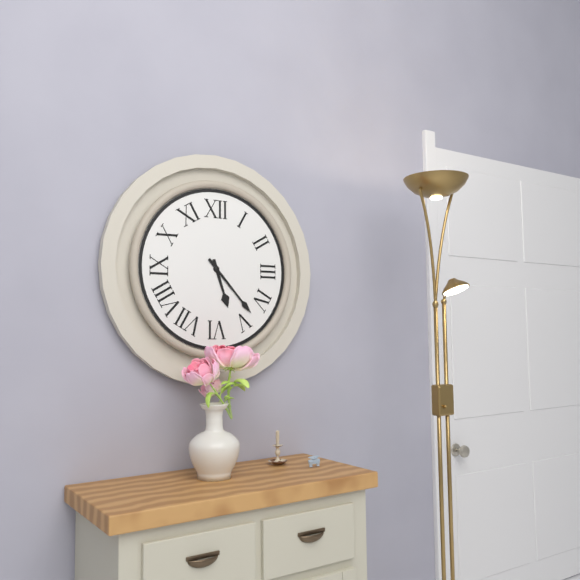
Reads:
5h23
